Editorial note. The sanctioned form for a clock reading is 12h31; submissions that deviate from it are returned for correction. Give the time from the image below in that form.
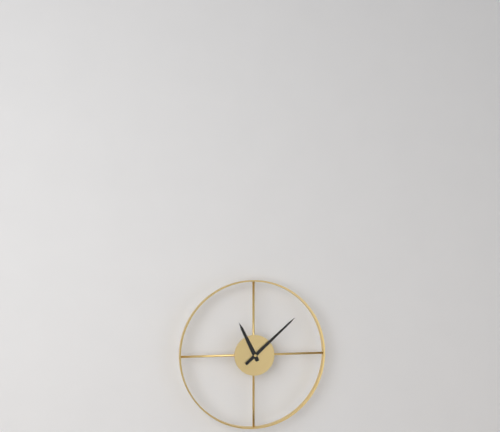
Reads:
11h08
